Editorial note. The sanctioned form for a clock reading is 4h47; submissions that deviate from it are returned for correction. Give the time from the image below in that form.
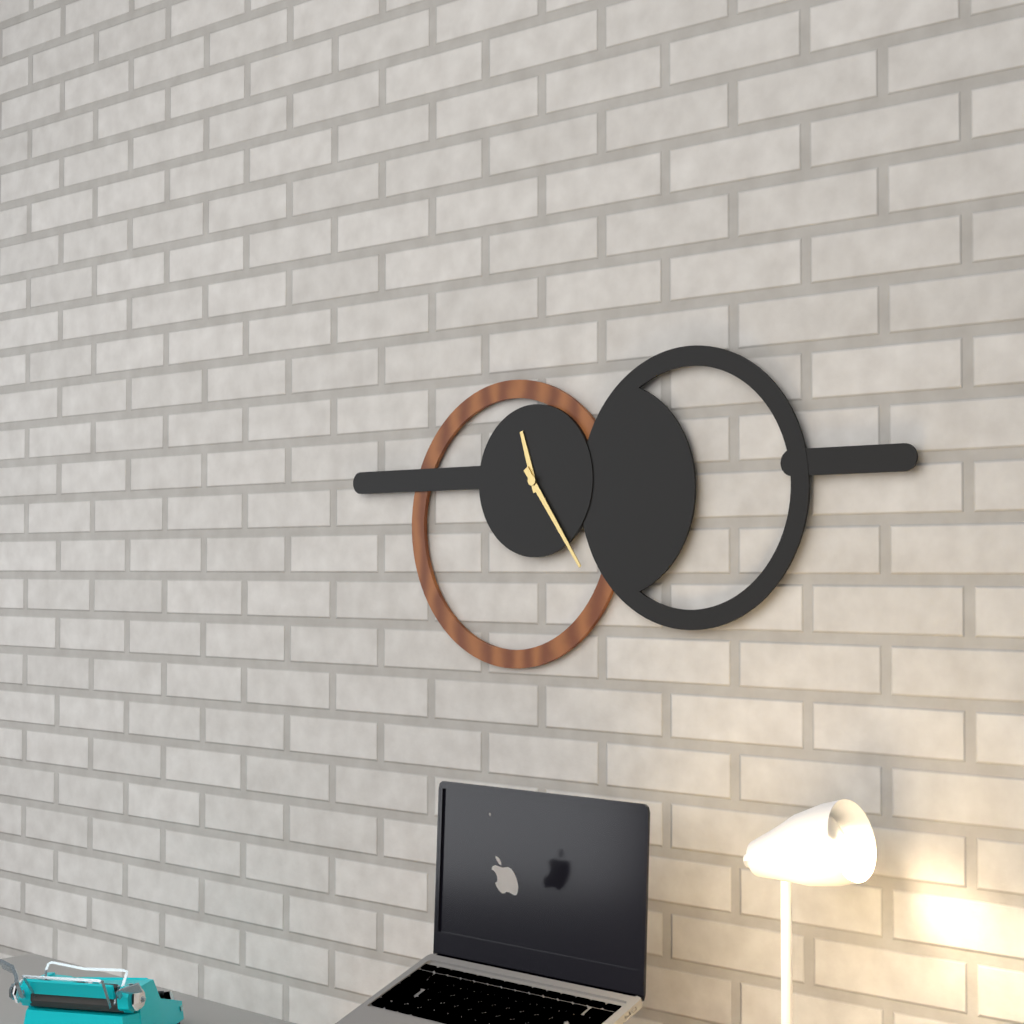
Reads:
11h24
